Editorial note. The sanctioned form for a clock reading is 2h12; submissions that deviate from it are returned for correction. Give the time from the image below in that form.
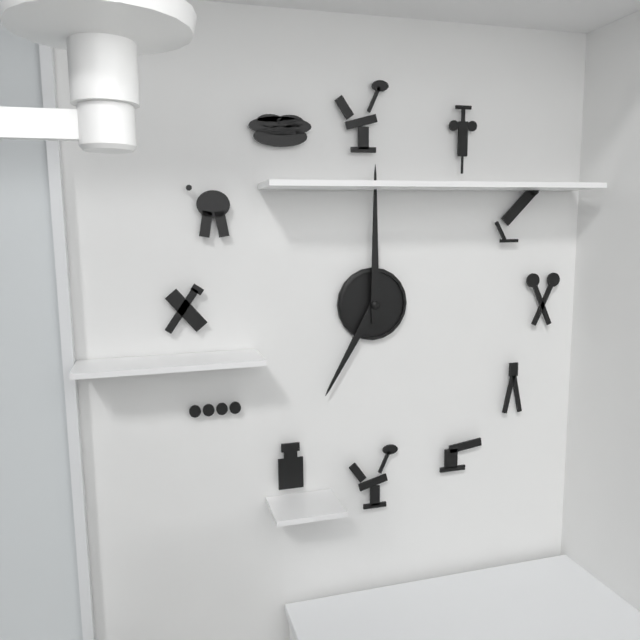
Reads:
7h00
